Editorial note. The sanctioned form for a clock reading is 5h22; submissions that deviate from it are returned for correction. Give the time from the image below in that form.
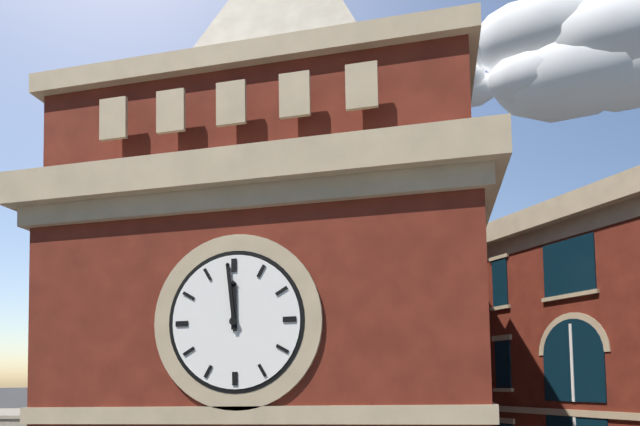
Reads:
11h59
